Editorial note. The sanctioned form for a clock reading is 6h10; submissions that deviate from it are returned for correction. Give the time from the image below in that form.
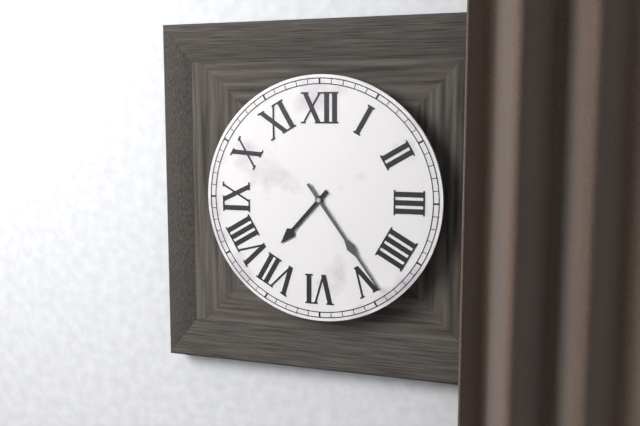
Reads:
7h24
